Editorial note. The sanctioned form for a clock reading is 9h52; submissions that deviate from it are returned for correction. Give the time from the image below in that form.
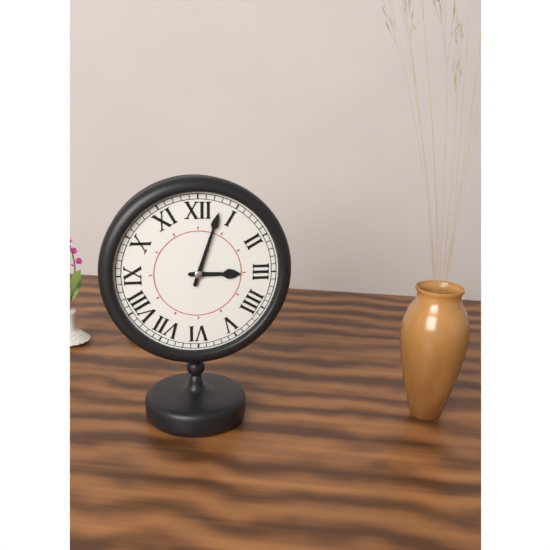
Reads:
3h03
